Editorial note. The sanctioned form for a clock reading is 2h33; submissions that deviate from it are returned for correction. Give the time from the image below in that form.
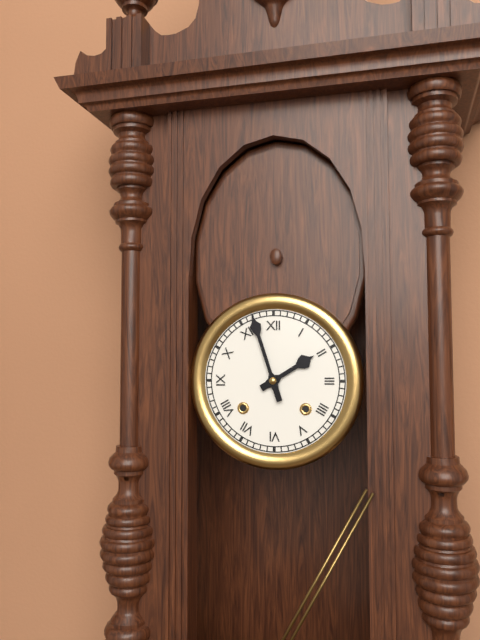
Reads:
1h57
